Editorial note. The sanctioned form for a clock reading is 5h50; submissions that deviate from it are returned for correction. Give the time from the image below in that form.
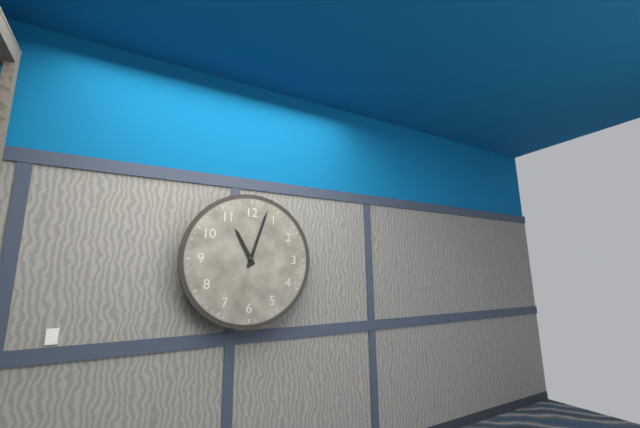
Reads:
11h03
